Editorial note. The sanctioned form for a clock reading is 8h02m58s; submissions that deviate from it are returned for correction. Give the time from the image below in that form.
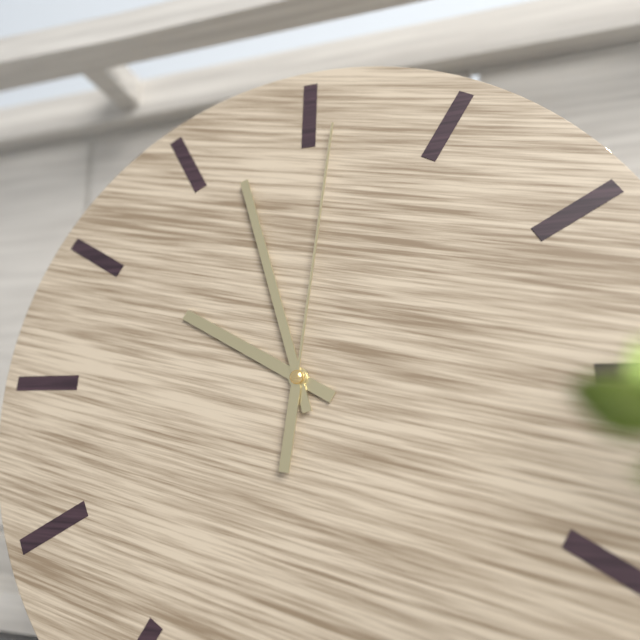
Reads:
9h57m01s
